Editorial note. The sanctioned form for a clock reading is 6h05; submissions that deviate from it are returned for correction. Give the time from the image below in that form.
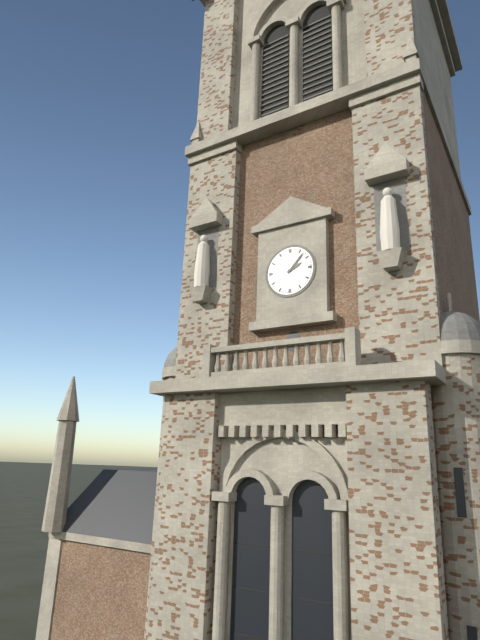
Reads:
2h07
